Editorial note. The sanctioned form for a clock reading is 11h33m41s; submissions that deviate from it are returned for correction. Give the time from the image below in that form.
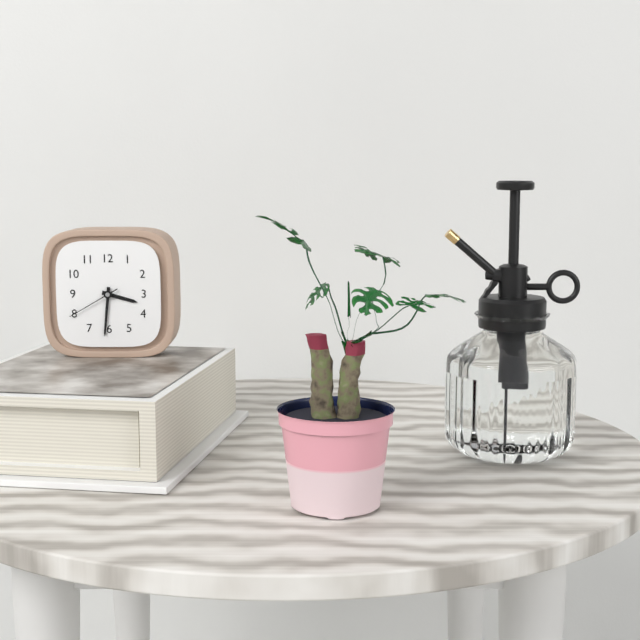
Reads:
3h31m40s
